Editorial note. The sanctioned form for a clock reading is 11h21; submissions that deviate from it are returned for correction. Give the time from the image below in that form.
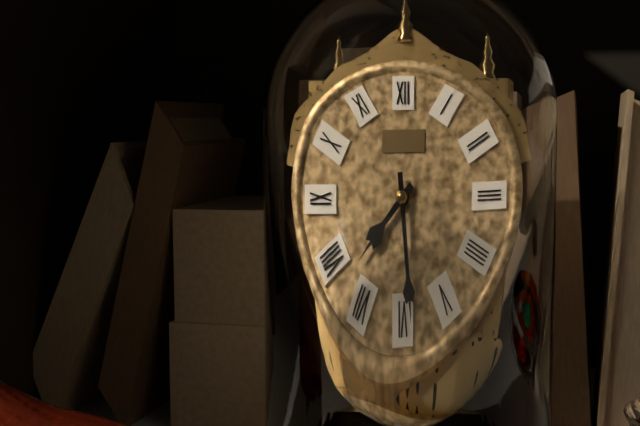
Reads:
7h29
